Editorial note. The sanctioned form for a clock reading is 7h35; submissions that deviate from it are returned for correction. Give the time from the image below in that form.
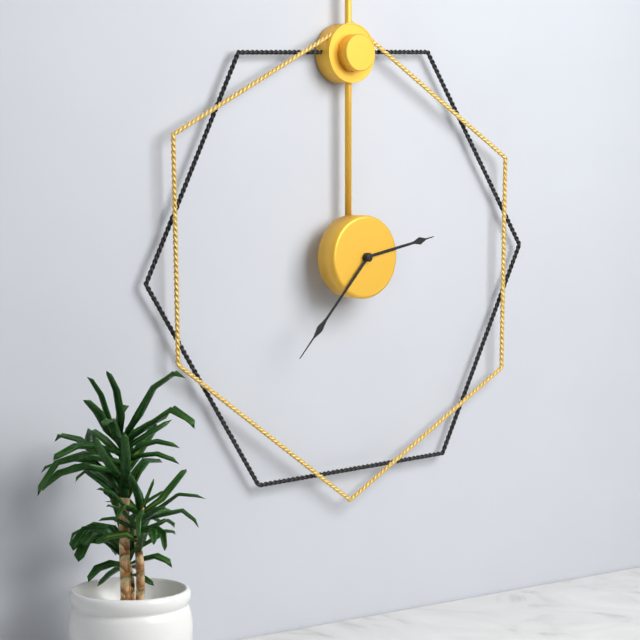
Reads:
2h37
